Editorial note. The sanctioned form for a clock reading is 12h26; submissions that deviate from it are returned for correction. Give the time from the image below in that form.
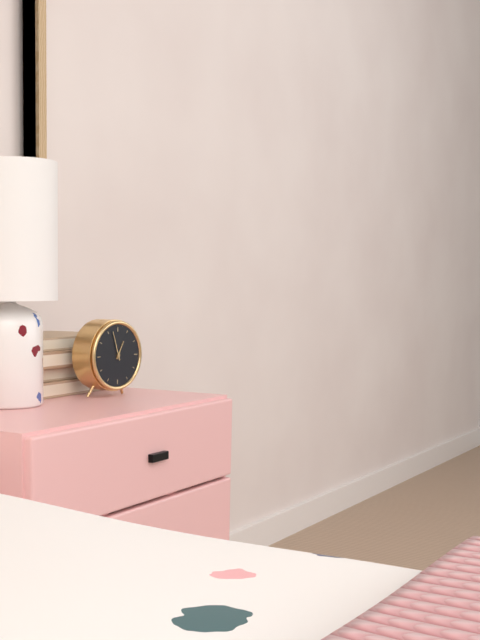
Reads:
12h57
